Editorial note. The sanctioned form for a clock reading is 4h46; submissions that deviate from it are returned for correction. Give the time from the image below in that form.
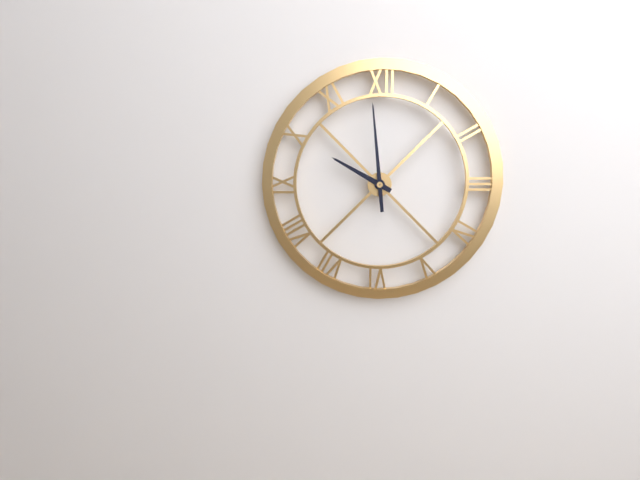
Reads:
9h59
